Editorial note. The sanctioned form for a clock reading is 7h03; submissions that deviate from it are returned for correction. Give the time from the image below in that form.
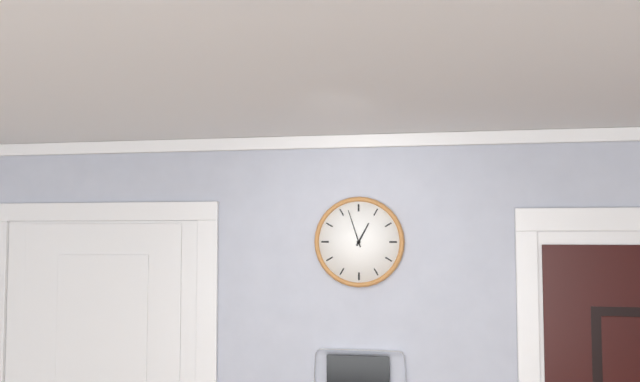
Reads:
12h57
